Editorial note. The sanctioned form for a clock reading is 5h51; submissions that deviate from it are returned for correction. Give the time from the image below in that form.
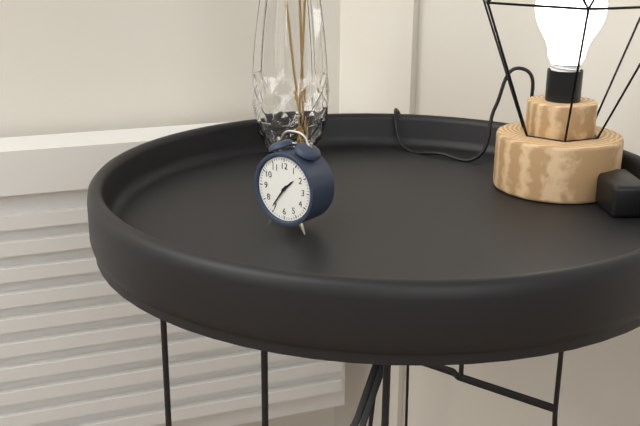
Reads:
1h36
